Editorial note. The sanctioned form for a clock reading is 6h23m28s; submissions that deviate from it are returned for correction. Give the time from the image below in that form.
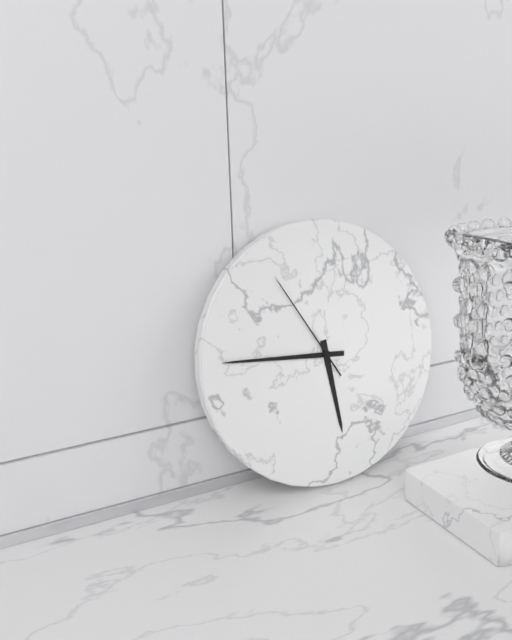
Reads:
5h46m55s
